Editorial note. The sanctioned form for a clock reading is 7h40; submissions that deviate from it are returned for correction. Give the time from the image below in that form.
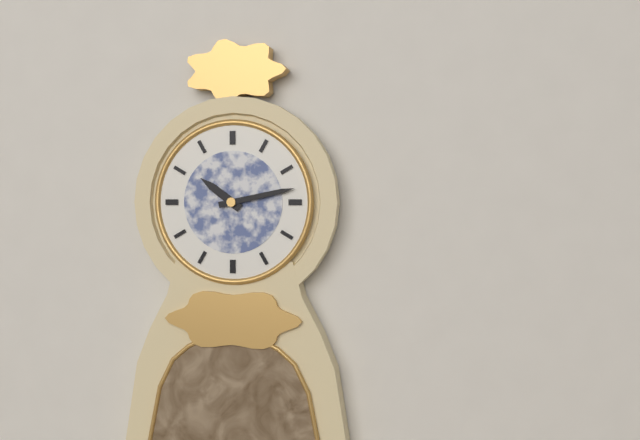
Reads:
10h13
